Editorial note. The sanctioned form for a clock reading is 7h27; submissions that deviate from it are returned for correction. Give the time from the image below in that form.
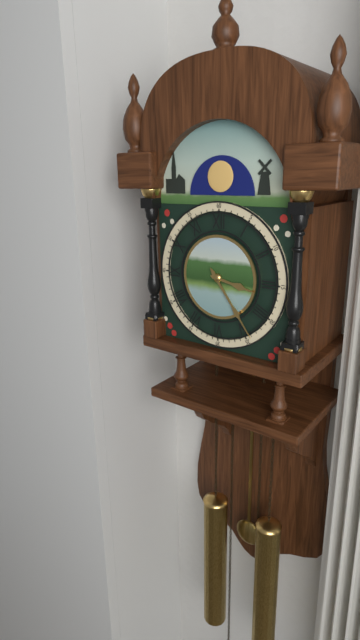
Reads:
3h24
